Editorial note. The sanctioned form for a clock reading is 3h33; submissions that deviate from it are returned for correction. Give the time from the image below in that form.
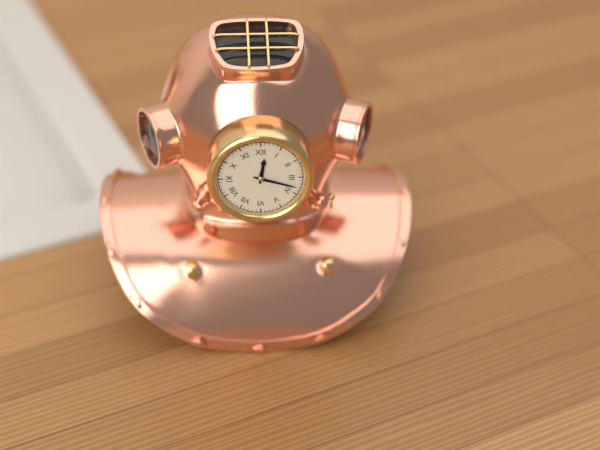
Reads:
12h18
